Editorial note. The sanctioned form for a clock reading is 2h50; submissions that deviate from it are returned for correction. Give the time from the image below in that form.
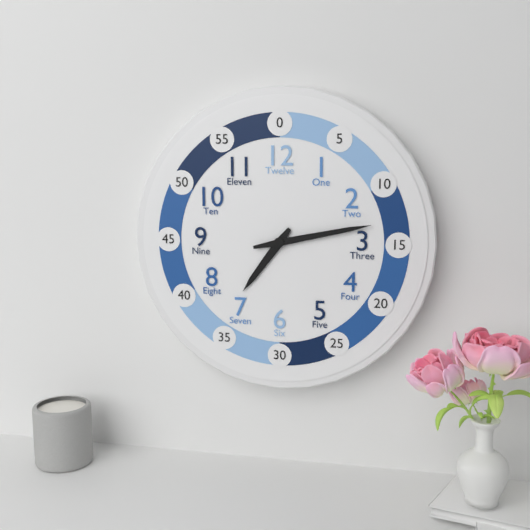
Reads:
7h13
